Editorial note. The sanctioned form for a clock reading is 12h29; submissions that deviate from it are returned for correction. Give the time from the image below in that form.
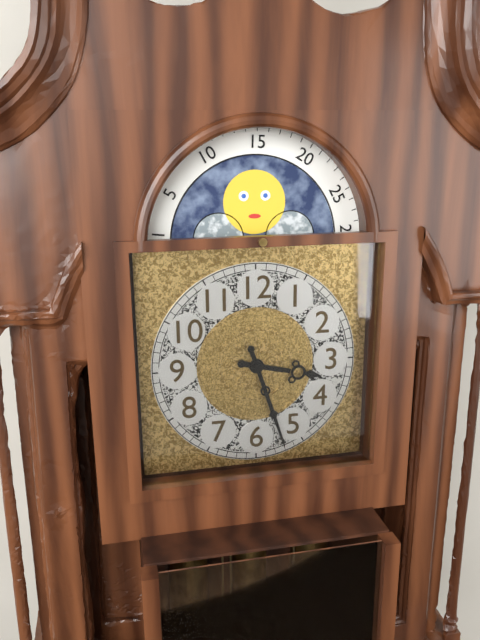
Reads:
3h27
